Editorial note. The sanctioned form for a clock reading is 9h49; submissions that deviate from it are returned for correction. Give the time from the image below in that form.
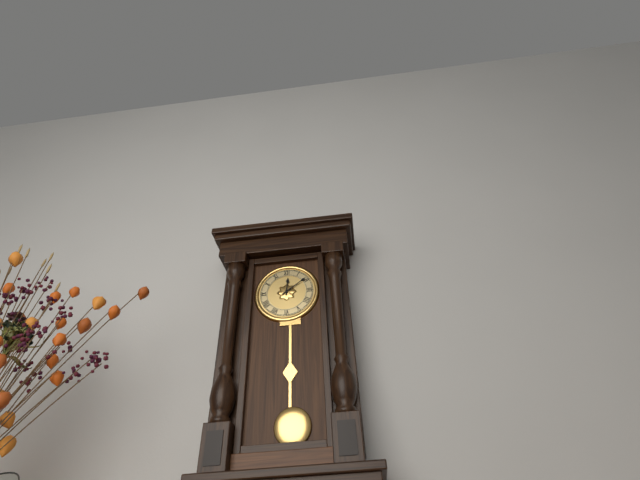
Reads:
12h09
